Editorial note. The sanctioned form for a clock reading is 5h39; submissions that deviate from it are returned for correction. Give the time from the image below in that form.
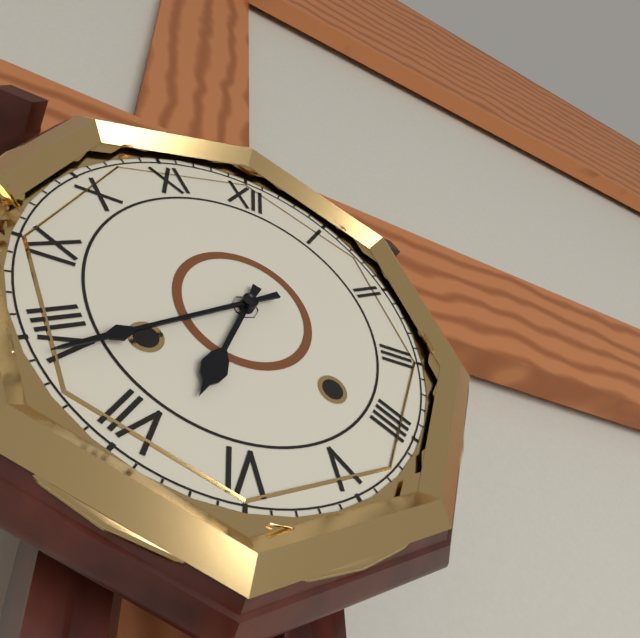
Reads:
6h39
